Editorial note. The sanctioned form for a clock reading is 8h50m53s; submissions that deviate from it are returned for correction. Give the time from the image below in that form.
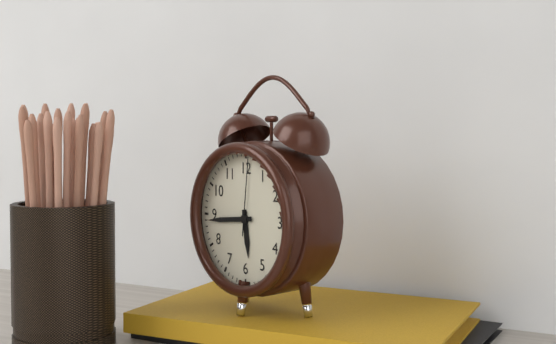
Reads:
5h44m01s
